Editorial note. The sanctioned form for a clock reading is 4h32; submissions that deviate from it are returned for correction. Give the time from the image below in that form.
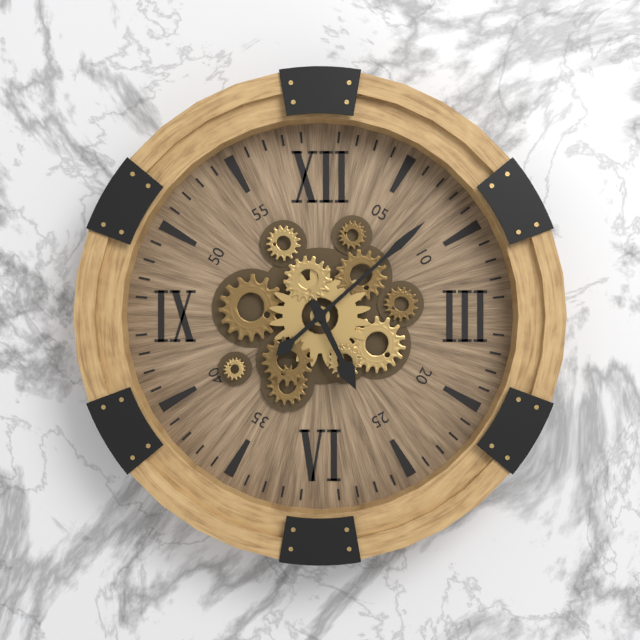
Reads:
5h08
